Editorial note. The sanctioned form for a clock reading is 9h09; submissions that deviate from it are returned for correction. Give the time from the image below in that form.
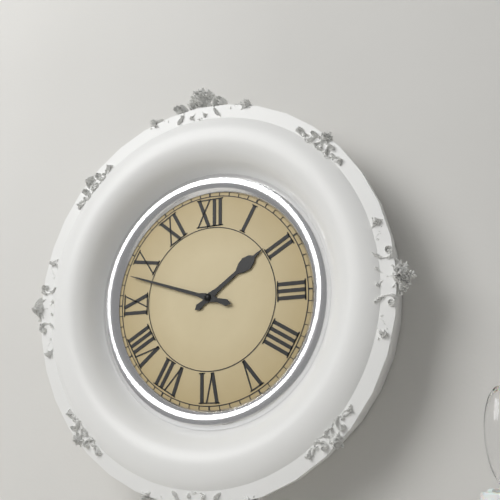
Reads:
1h48
